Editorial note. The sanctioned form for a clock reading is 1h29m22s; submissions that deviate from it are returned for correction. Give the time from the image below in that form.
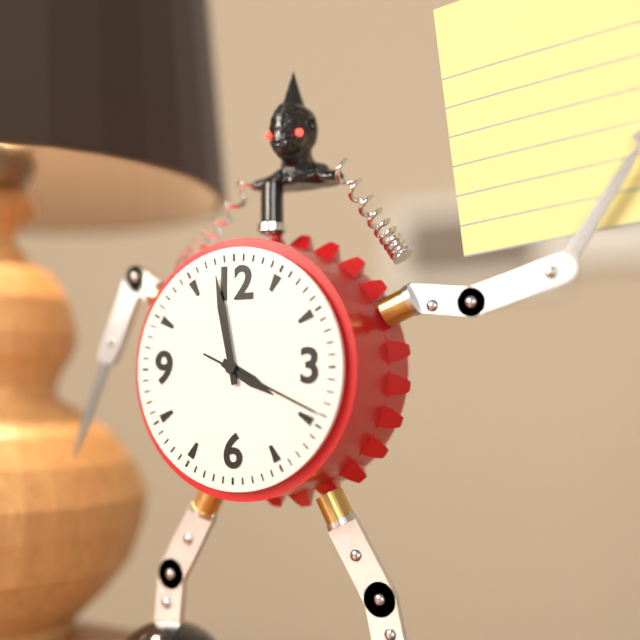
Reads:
3h58m19s
